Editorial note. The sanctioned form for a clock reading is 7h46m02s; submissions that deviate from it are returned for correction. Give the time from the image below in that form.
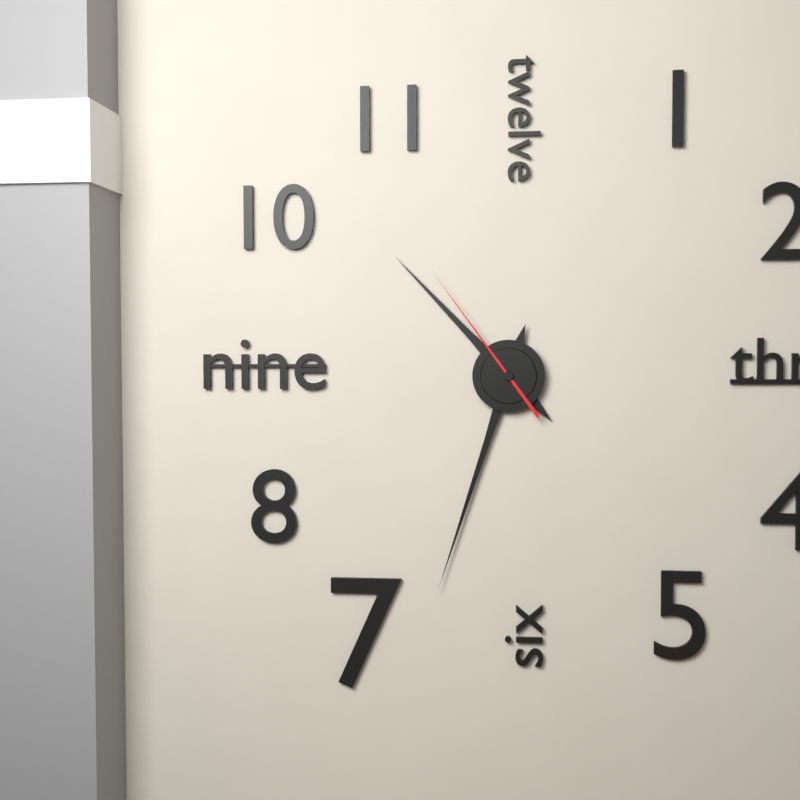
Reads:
10h33m54s
